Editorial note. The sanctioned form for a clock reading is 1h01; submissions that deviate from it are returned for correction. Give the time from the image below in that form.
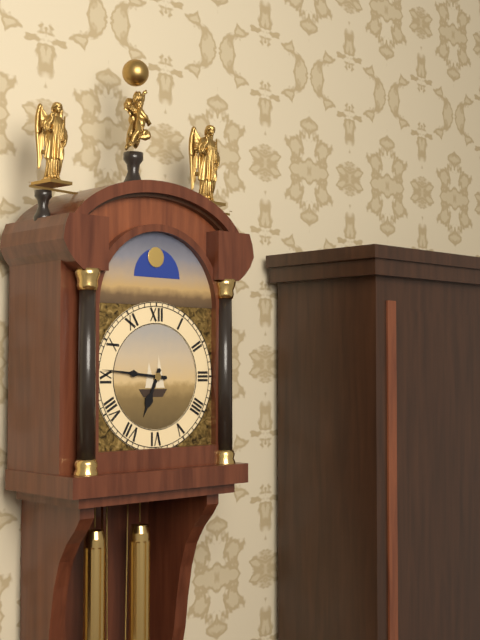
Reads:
6h46
